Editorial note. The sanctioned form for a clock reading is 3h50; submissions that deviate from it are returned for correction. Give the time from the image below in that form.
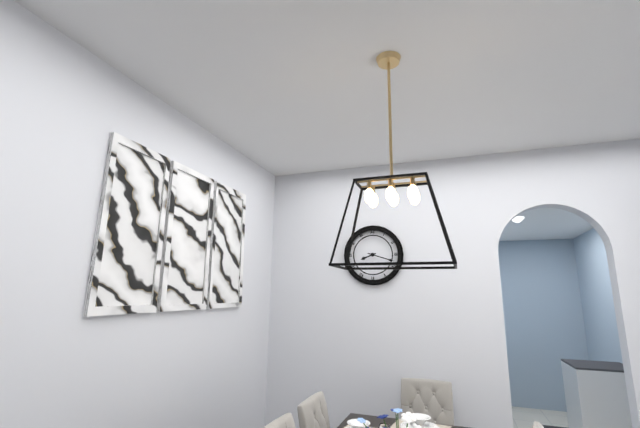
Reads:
8h18
